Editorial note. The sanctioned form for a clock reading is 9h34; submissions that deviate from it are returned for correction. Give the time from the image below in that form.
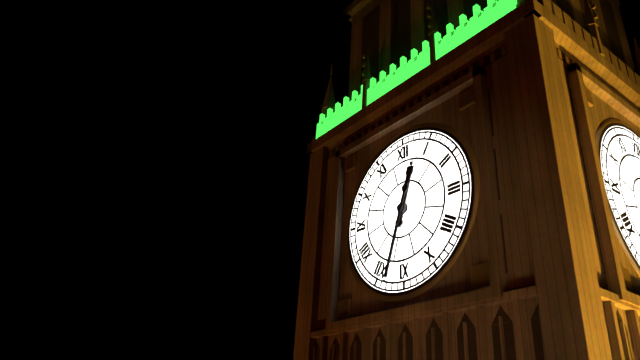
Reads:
12h33
